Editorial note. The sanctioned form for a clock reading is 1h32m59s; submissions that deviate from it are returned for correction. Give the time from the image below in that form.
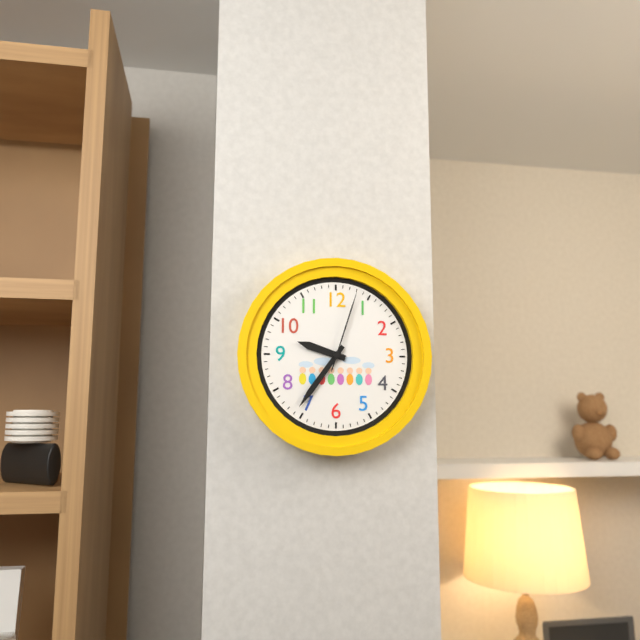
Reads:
9h36m03s
